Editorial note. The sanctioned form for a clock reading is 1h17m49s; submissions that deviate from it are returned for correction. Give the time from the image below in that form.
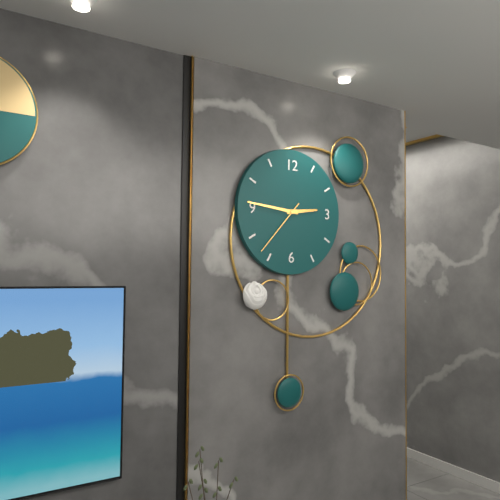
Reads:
2h46m37s
